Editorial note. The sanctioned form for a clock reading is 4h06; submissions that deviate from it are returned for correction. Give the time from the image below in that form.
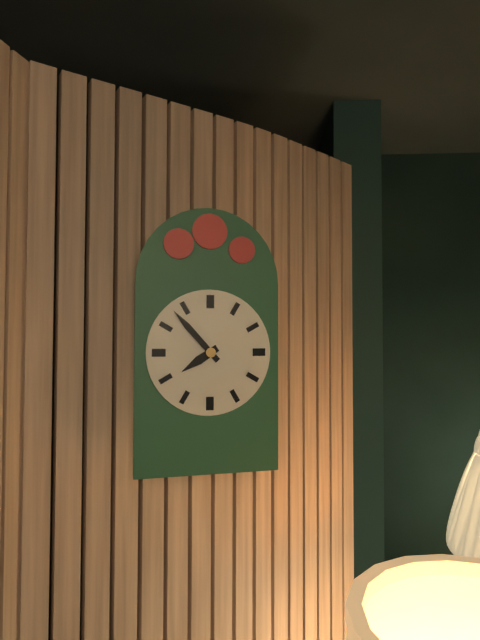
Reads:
7h53
